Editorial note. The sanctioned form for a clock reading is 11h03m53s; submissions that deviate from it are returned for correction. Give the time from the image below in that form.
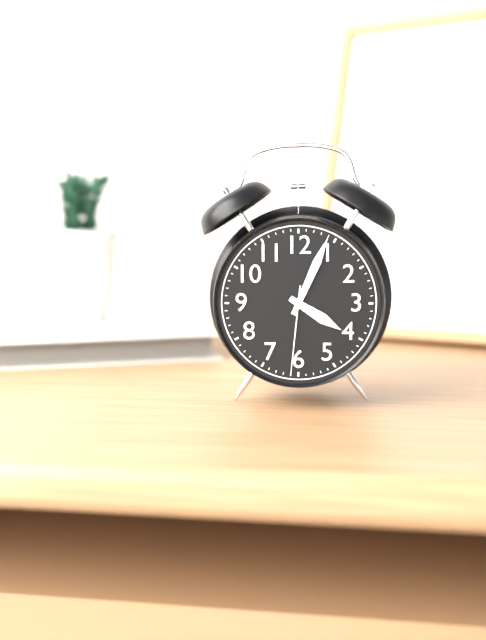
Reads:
4h04m31s
